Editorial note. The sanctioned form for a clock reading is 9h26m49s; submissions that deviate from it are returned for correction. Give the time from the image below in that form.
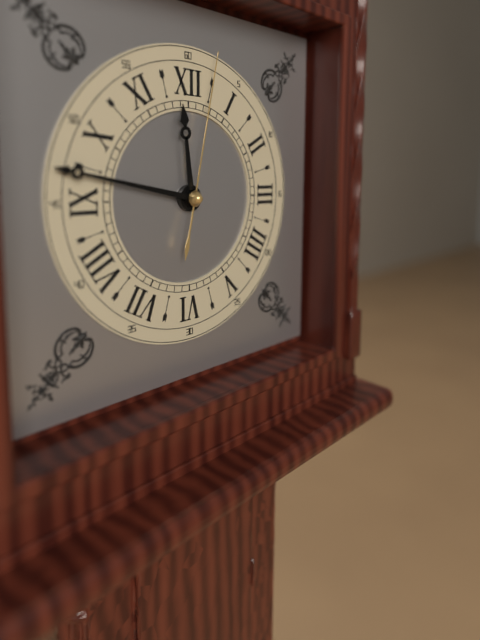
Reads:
11h47m02s
